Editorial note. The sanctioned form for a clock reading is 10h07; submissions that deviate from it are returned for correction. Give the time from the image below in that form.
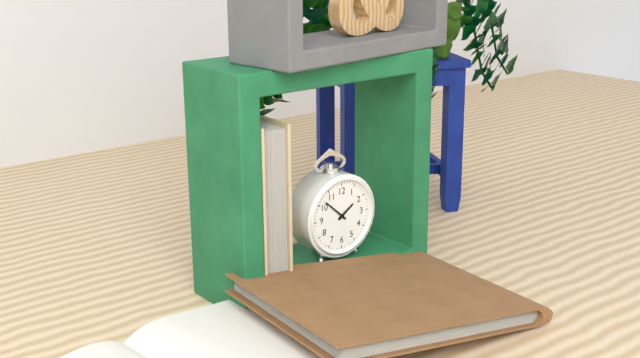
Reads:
1h52
